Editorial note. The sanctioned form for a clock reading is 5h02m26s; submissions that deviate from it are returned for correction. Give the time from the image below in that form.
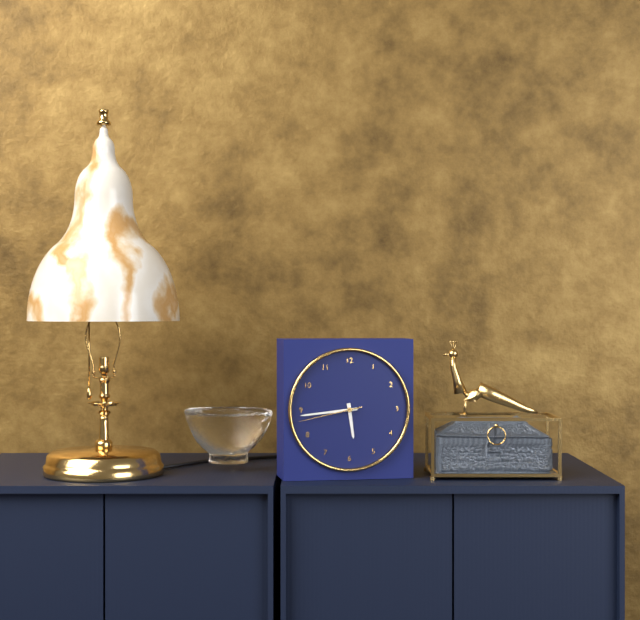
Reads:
5h44m43s
